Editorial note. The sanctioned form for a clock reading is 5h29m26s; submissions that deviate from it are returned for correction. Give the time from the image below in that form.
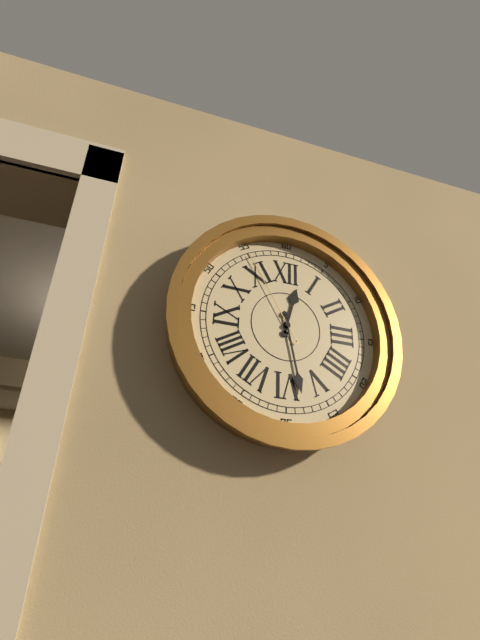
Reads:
12h28m55s
